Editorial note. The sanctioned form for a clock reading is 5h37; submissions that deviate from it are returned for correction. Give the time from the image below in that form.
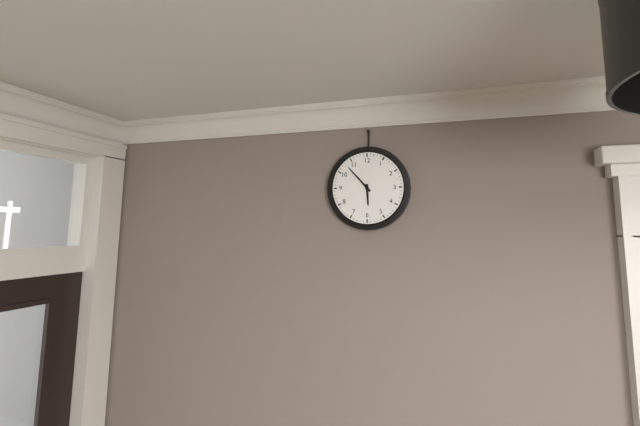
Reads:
5h53
